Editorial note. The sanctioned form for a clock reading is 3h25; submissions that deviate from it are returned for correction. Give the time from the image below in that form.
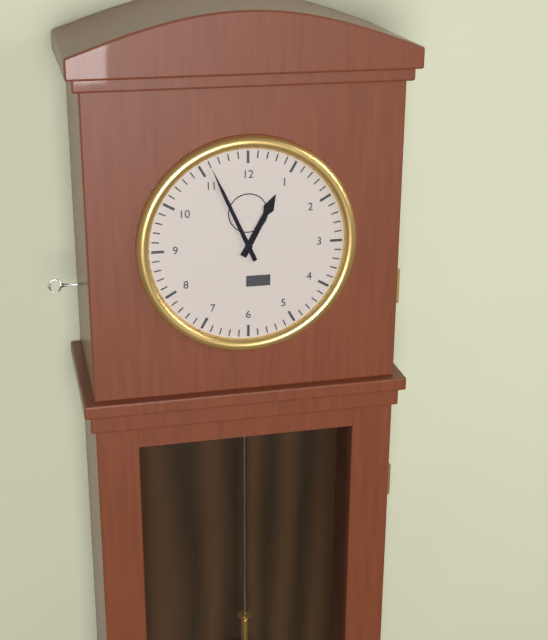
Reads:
12h56
